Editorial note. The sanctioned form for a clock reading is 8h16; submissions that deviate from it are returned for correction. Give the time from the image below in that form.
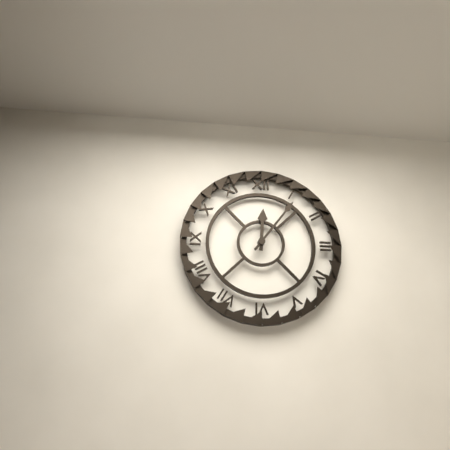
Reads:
12h06
